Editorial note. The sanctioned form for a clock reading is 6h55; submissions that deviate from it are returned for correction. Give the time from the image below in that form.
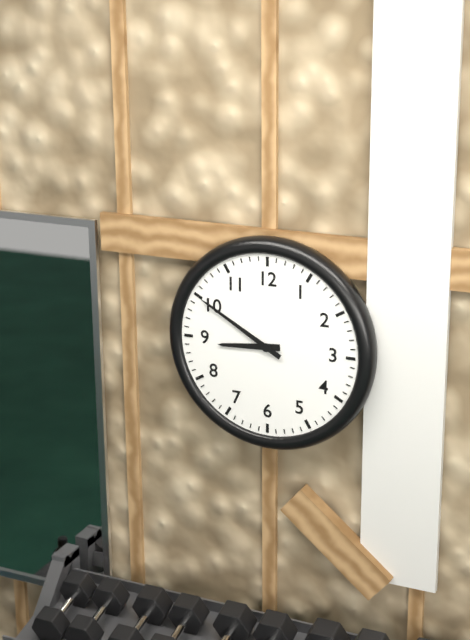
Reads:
8h50
